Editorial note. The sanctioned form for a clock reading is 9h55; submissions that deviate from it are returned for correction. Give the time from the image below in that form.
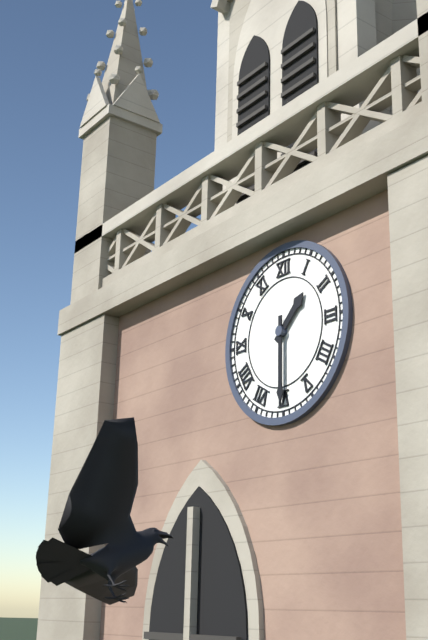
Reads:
1h30
